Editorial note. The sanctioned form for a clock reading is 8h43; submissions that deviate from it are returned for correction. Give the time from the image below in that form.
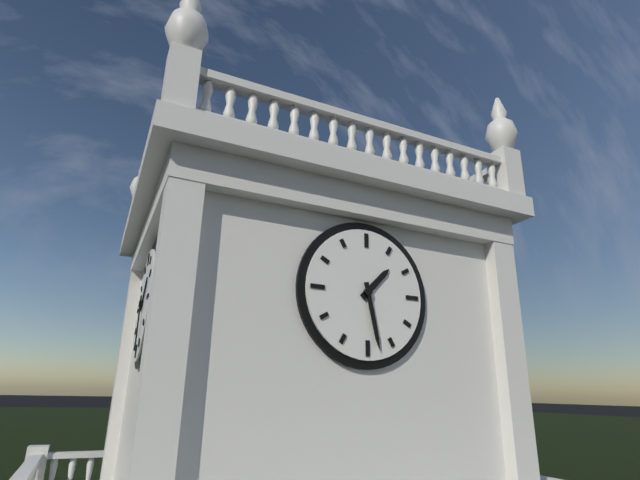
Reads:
1h28
